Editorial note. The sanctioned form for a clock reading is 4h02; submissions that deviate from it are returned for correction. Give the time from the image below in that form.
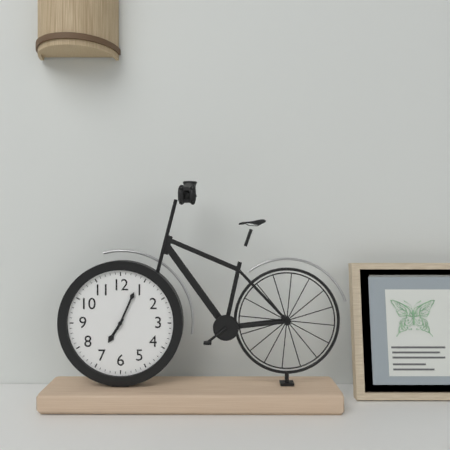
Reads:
7h04
